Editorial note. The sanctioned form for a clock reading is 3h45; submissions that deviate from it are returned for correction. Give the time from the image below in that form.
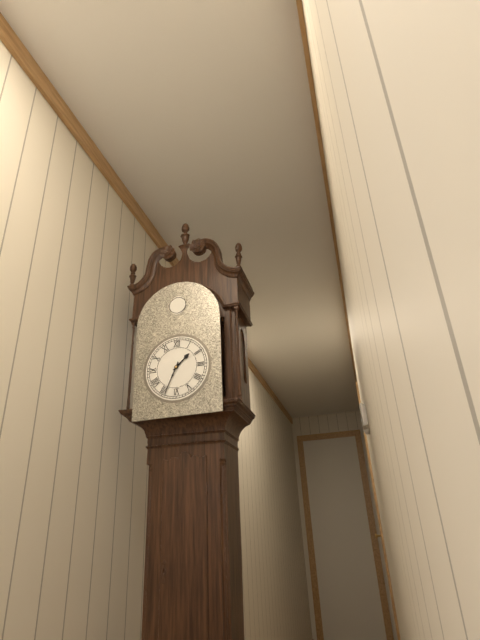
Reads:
1h34
